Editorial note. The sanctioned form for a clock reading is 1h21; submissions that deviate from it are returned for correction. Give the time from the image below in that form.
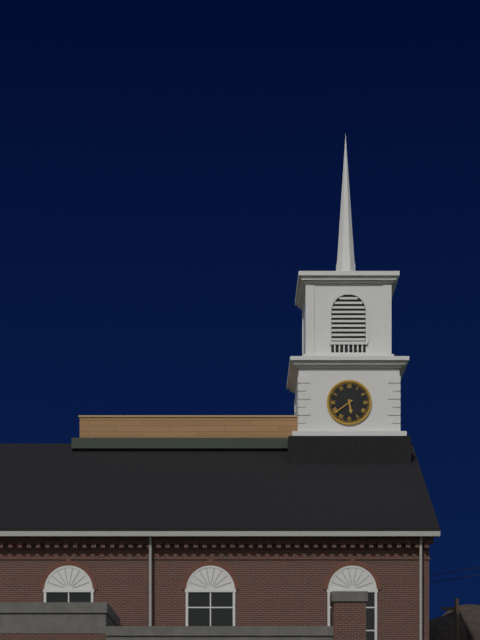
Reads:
5h39
